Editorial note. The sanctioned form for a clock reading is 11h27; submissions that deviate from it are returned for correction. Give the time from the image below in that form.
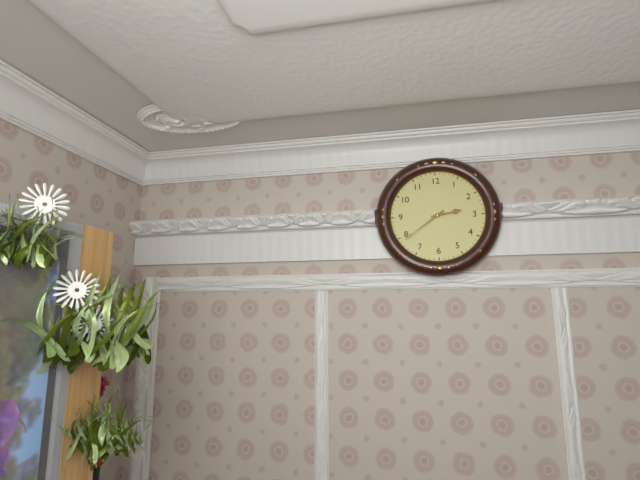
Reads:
2h39
